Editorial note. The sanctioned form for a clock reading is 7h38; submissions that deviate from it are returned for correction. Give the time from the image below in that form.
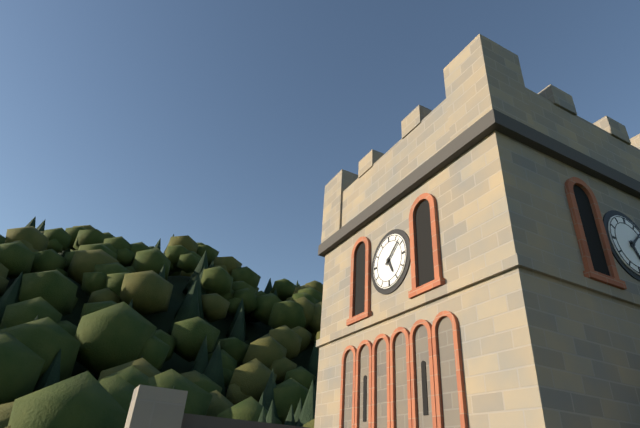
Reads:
5h08
